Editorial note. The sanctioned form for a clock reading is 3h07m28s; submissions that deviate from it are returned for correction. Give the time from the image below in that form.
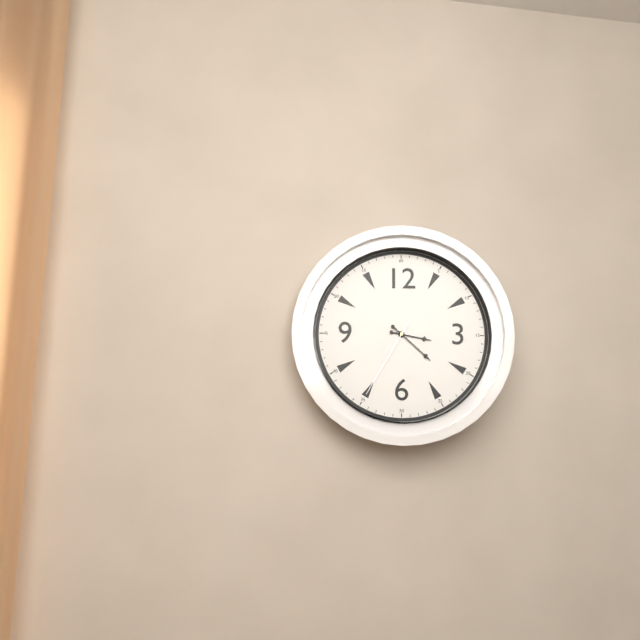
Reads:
3h22m35s
